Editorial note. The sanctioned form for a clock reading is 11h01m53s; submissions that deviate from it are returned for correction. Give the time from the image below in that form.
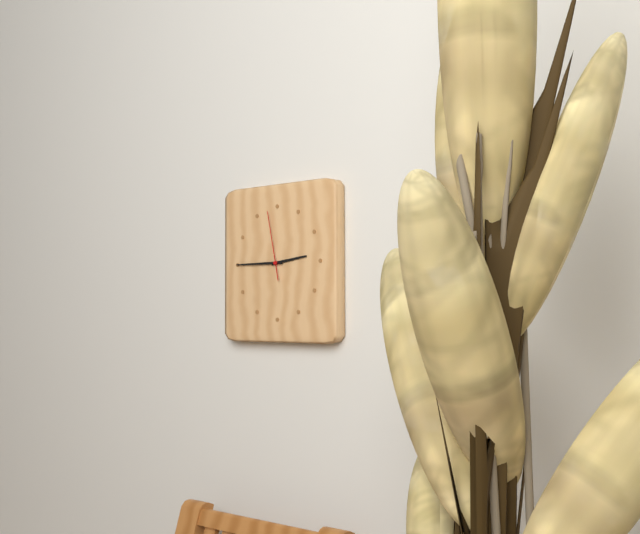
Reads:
2h45m58s
